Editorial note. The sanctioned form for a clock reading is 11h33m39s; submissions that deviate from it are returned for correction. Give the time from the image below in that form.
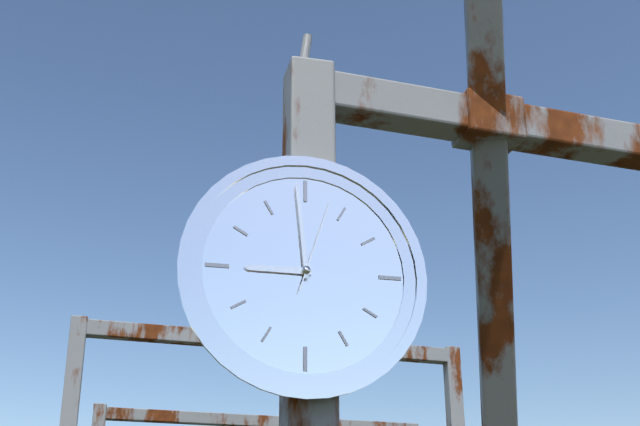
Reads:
8h59m03s
